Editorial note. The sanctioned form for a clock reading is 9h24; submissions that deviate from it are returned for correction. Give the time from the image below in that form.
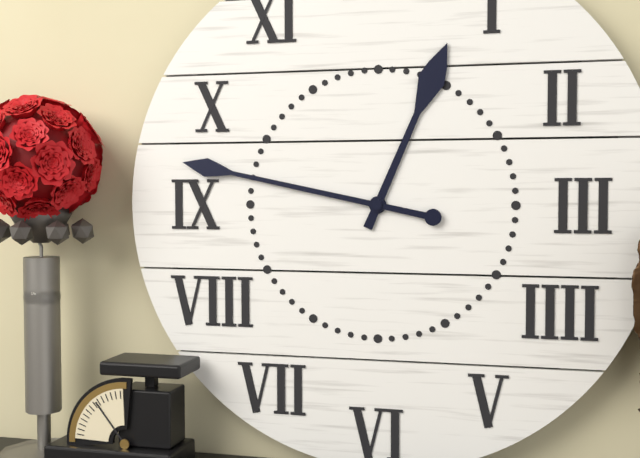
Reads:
12h47
